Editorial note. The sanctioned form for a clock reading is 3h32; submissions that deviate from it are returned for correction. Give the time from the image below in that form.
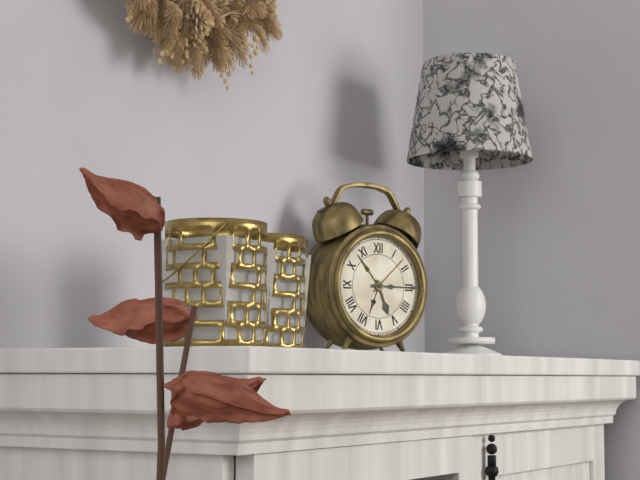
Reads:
5h15
